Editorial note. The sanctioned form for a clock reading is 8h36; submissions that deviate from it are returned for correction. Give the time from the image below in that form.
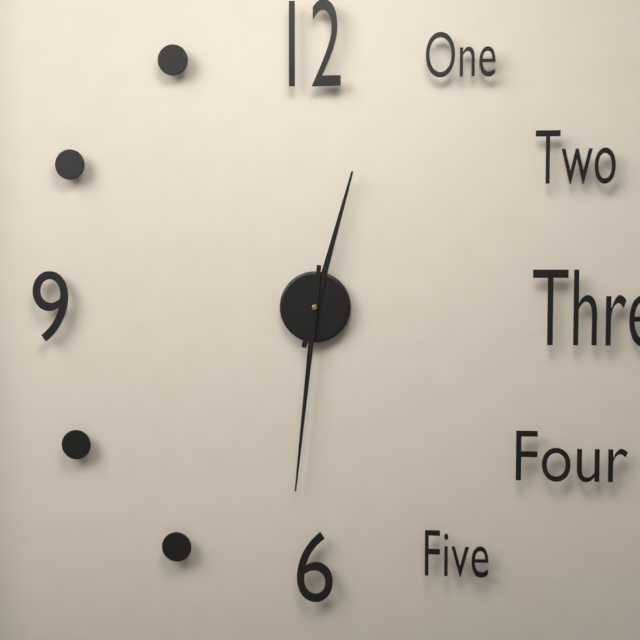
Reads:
12h31
